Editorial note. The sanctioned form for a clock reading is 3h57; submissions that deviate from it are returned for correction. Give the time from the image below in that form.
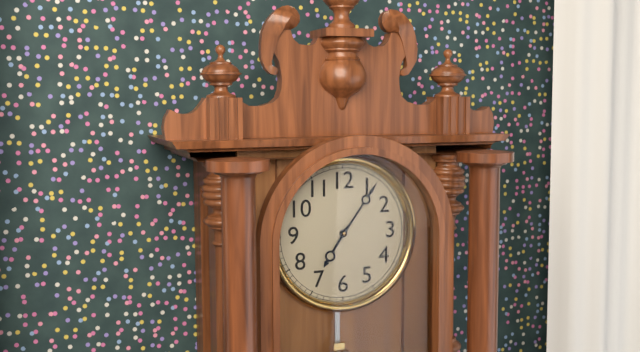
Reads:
7h06
